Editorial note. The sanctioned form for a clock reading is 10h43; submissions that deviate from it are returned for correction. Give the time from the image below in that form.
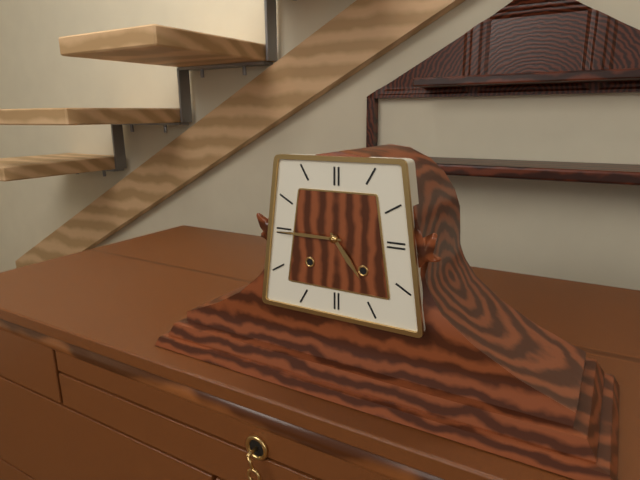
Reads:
4h45
